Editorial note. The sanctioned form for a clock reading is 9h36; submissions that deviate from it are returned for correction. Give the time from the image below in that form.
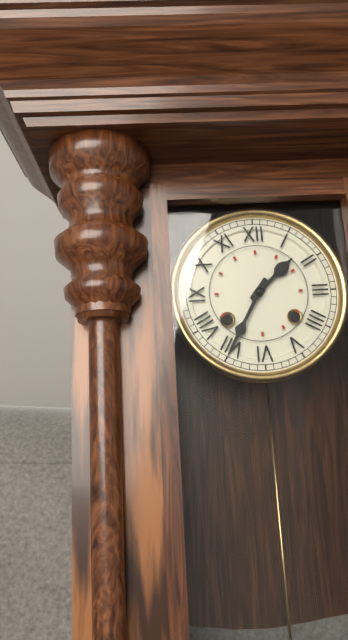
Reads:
1h35
